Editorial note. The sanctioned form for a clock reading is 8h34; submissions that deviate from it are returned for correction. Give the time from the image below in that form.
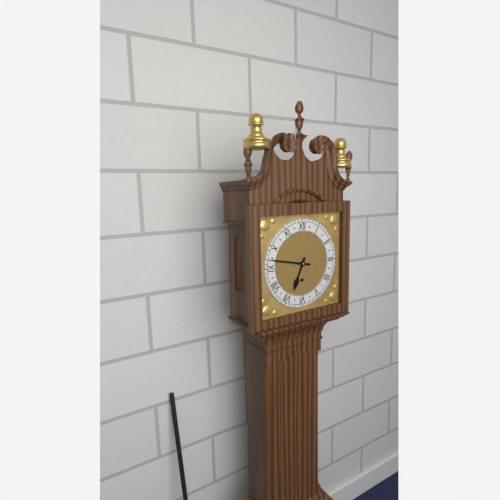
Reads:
6h47
